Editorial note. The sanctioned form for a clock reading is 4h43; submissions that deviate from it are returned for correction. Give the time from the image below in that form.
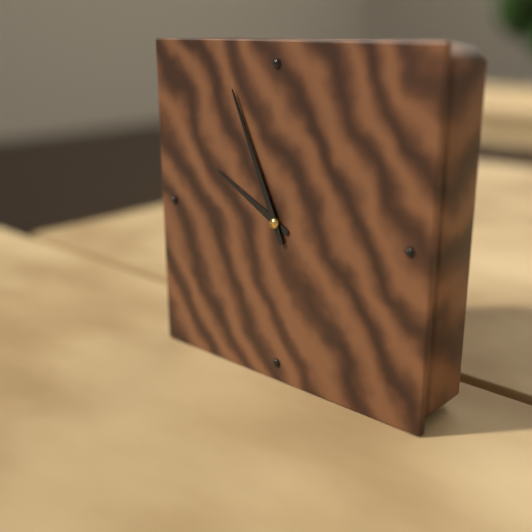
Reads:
9h56
